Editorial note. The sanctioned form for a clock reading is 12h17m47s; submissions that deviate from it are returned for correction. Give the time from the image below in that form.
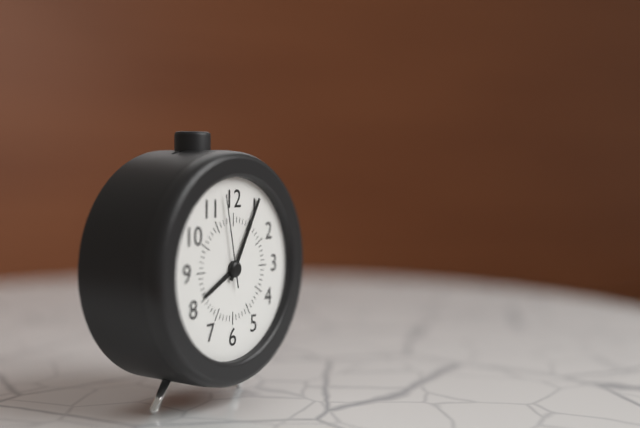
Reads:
8h05m58s
